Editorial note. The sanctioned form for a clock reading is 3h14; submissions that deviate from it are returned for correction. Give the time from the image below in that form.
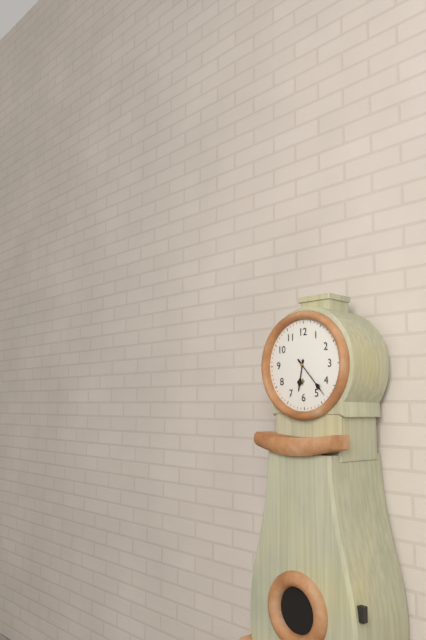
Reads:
6h23
